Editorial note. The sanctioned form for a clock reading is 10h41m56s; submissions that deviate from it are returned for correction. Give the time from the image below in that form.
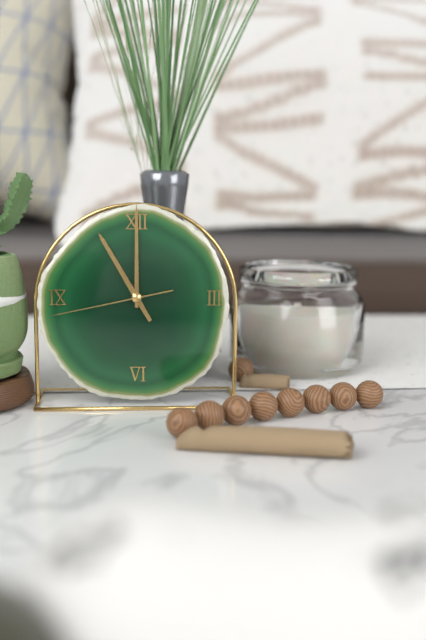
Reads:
11h00m43s
